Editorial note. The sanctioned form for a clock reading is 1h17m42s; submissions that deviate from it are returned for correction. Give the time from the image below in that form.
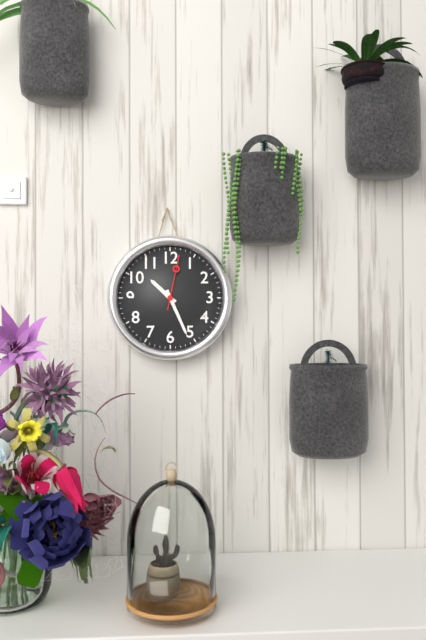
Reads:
10h26m02s
